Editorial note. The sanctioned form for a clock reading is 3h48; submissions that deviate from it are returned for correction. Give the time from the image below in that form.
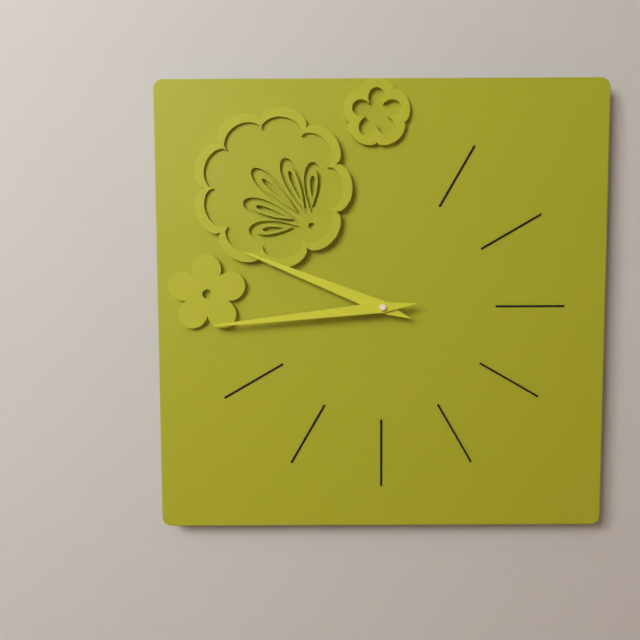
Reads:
9h44
